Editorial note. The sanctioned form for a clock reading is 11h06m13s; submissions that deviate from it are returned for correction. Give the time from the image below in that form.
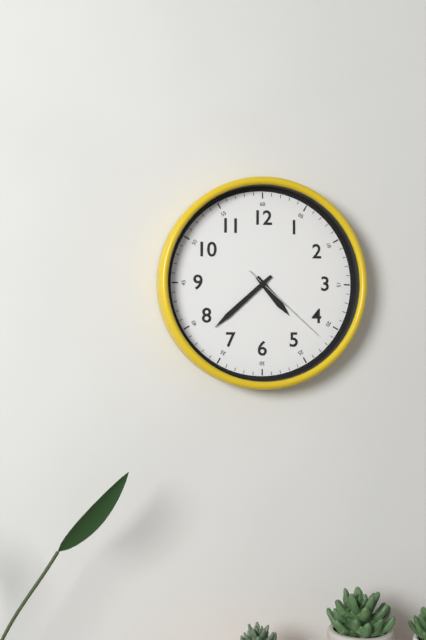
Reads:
4h38m22s
